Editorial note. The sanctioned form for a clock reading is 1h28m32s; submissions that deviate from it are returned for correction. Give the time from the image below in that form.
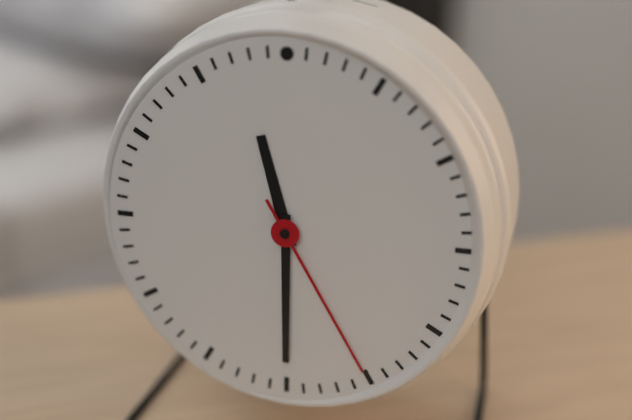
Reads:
11h30m25s
